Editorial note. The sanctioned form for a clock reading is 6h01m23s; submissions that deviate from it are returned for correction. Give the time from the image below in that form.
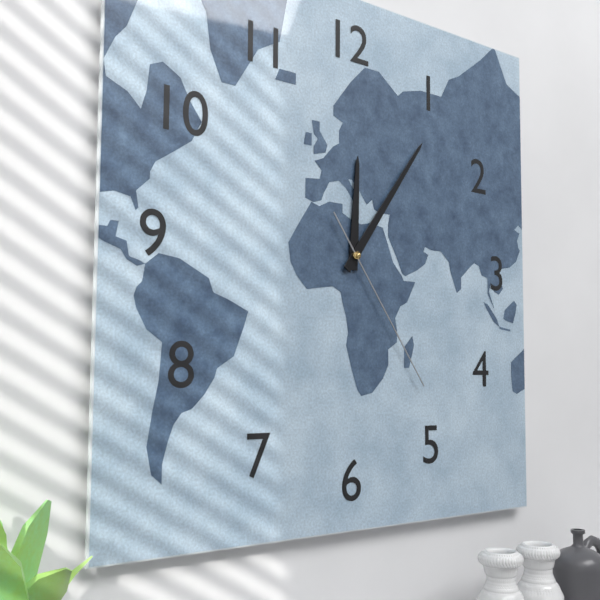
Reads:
12h06m24s
